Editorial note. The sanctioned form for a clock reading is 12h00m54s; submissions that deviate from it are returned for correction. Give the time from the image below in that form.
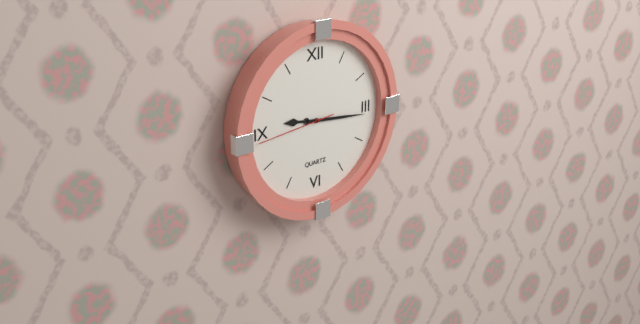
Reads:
9h16m44s
